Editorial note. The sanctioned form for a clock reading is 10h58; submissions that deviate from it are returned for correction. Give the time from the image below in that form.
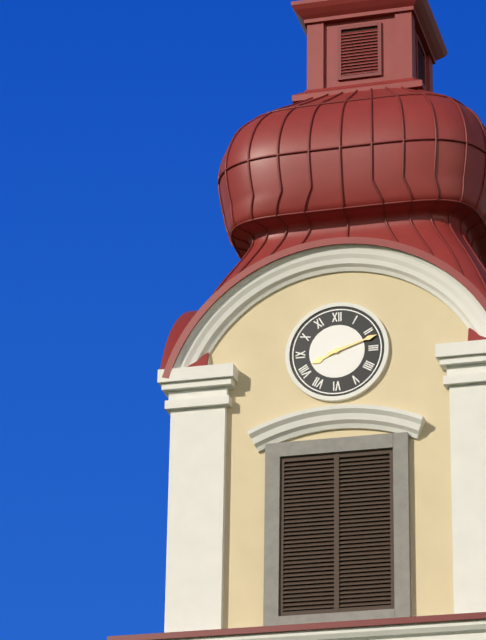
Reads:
8h12
